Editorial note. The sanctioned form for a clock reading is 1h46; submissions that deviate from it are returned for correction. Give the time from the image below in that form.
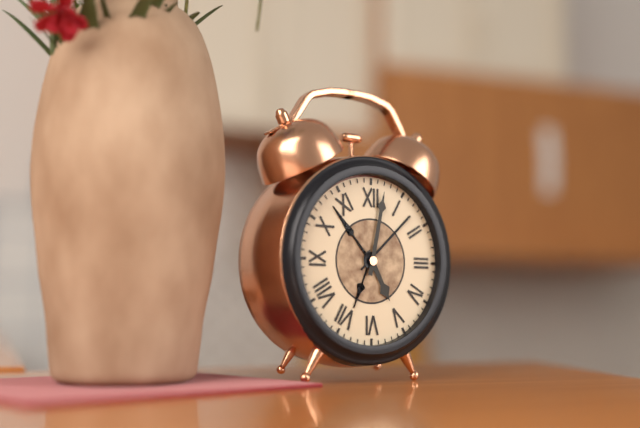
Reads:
5h02
